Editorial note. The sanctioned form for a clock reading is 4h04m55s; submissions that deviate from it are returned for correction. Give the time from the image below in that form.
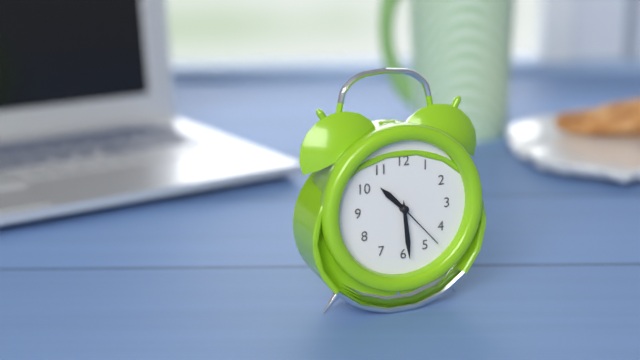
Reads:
10h29m23s
